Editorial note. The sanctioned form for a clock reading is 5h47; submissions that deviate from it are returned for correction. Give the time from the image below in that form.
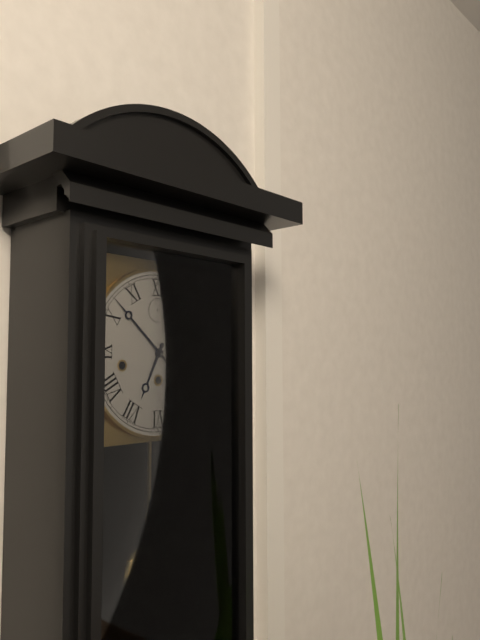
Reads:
6h52
